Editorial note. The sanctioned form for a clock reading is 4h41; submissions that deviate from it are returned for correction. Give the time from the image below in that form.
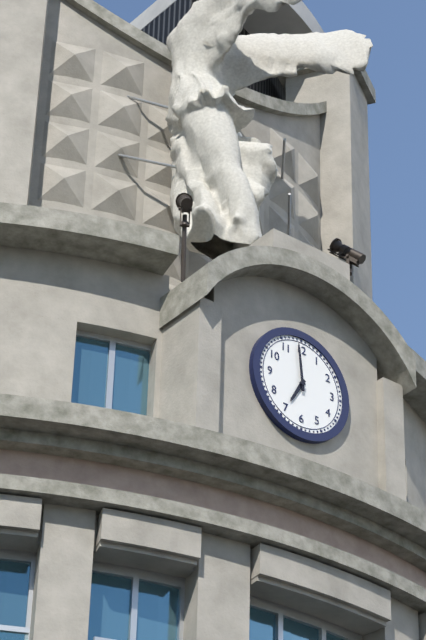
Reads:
6h59
